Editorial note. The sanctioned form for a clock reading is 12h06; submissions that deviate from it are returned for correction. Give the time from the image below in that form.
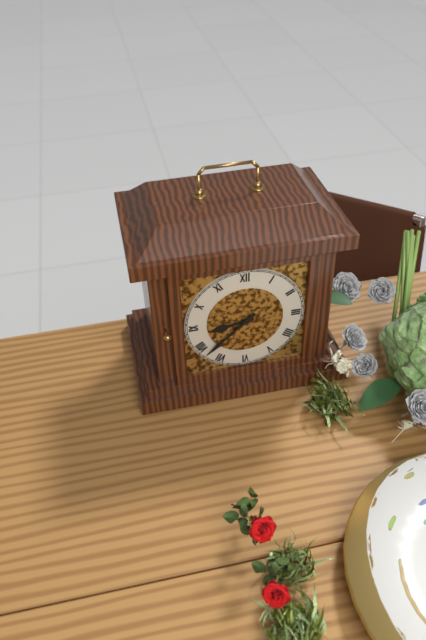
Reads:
8h38
